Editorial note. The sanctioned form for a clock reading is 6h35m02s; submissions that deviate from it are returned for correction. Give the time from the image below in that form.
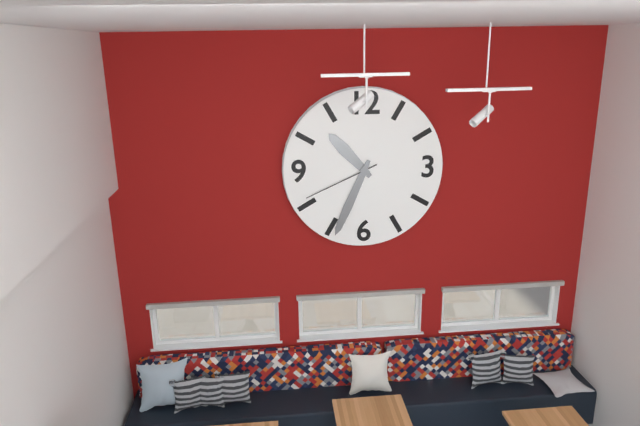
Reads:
10h34m41s
